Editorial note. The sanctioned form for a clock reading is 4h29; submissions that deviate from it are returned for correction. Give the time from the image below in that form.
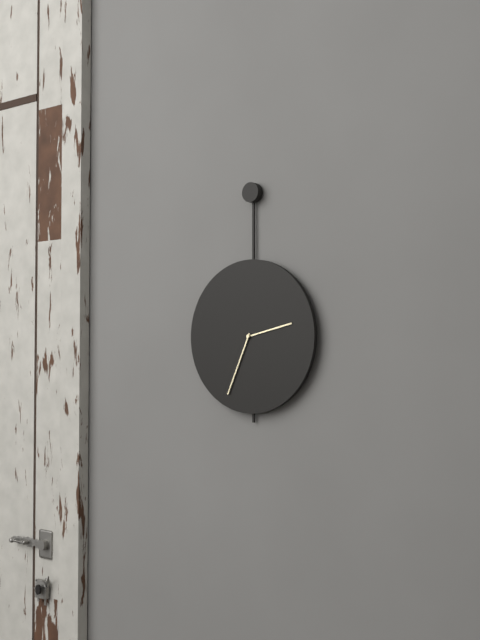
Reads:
2h34
